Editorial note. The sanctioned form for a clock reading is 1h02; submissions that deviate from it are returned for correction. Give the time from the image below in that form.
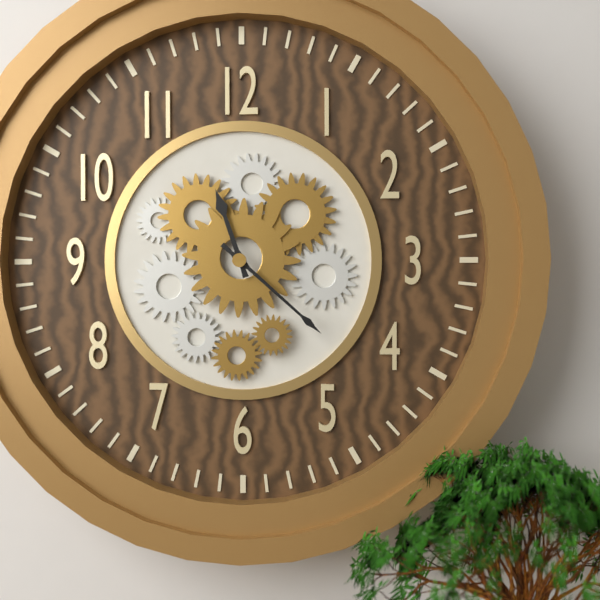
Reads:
11h22
